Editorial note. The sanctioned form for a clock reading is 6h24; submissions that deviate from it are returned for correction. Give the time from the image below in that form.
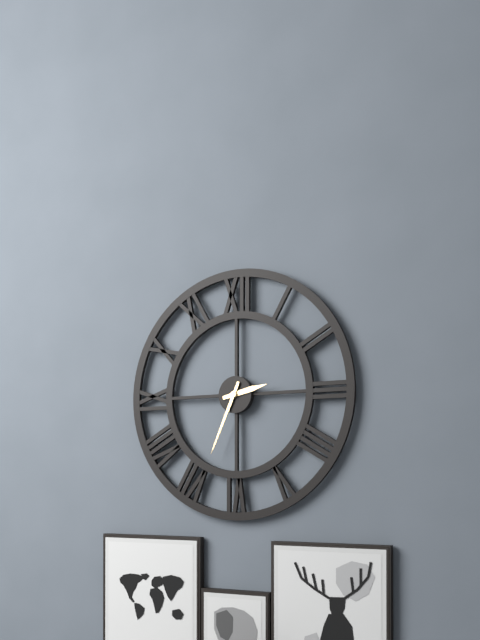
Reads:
2h34
